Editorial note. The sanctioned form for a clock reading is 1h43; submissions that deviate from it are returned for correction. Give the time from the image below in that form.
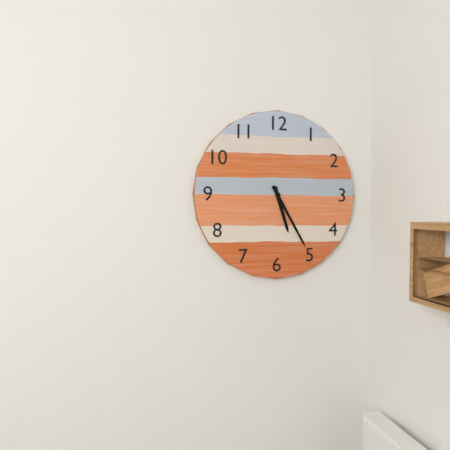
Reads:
5h25
